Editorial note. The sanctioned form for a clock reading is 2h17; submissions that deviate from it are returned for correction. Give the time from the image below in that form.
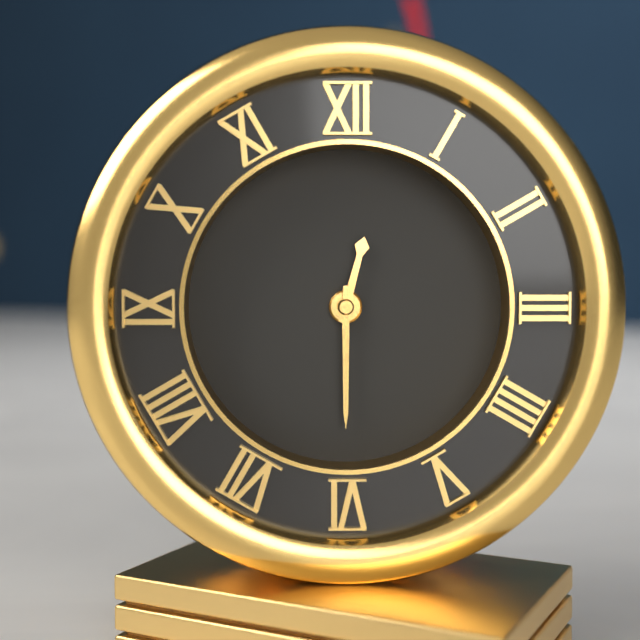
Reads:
12h30
